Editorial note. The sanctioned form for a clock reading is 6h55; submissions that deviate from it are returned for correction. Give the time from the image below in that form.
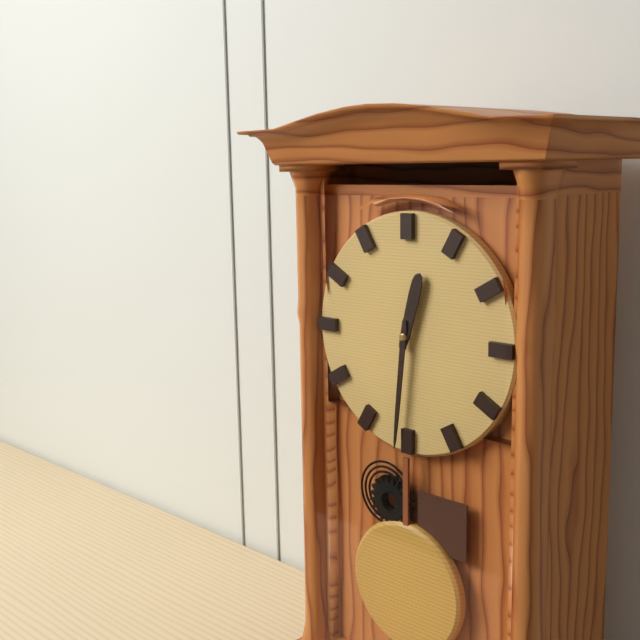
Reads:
12h31
